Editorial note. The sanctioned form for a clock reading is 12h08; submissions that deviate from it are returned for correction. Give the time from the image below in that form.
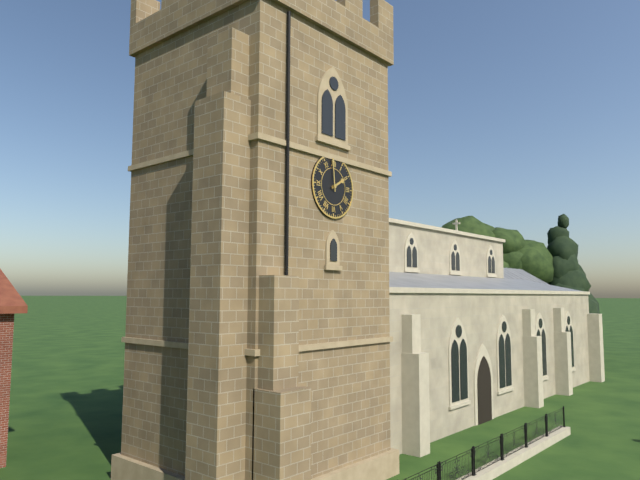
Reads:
1h59
